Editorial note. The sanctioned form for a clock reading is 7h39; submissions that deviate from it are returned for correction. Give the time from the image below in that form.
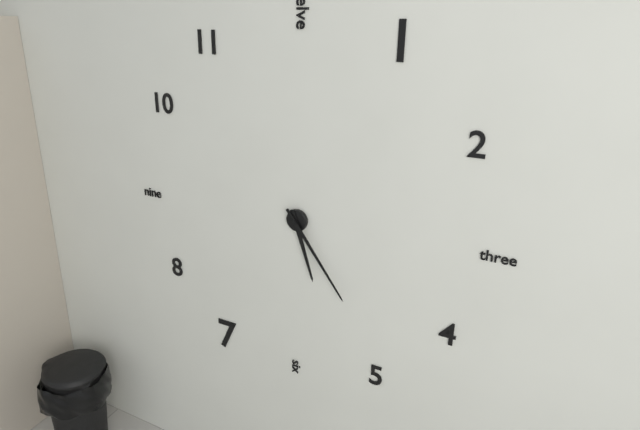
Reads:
5h24
